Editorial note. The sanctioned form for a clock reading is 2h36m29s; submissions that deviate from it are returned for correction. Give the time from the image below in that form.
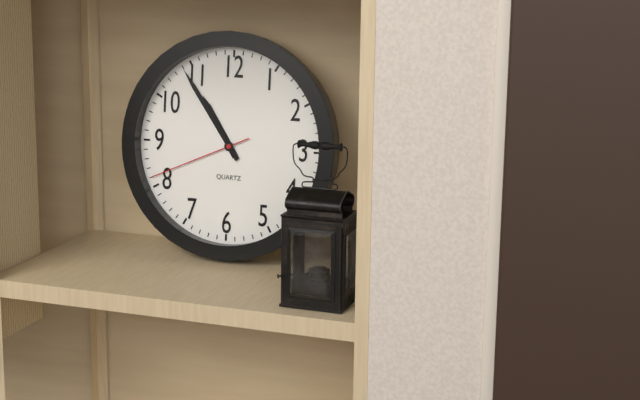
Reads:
10h54m41s
